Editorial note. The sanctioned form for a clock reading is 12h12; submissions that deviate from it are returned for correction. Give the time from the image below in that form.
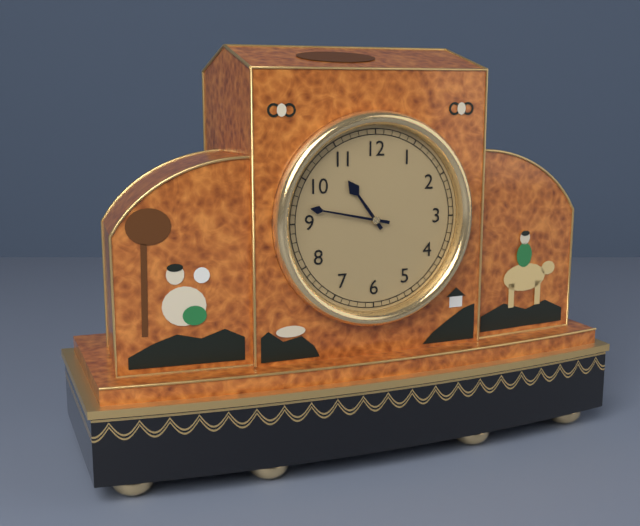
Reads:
10h47
